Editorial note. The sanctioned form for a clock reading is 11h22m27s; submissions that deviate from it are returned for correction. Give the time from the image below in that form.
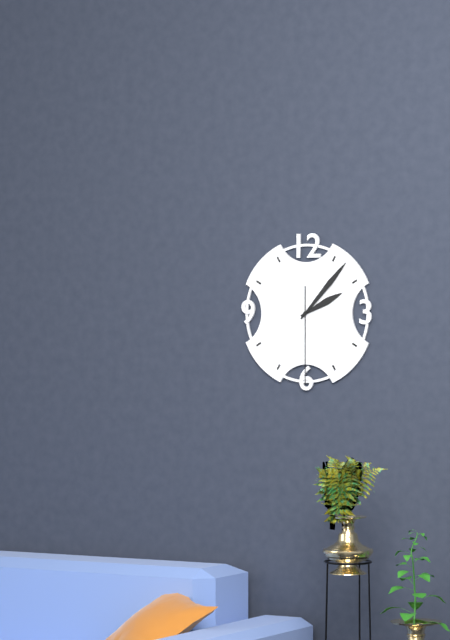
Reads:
2h07m30s
